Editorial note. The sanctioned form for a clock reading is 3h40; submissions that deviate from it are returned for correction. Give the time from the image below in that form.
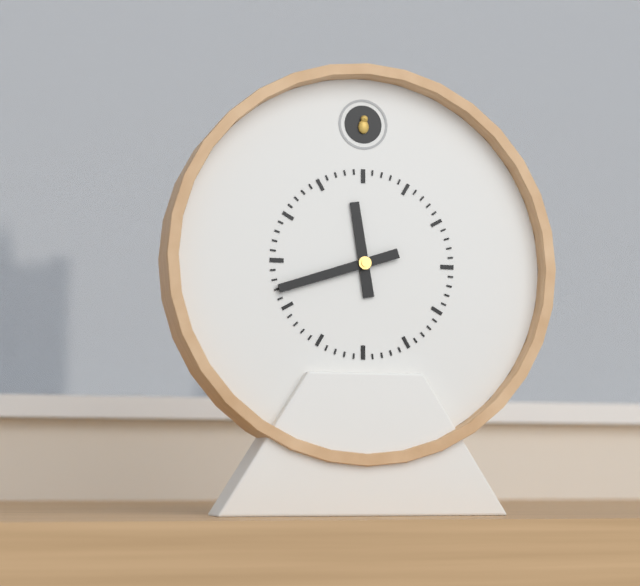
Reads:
11h42
